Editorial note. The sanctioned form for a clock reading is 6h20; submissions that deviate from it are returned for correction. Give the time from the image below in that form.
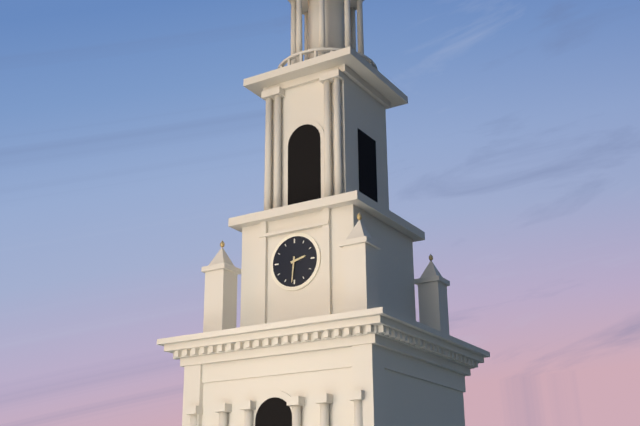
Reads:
2h31
